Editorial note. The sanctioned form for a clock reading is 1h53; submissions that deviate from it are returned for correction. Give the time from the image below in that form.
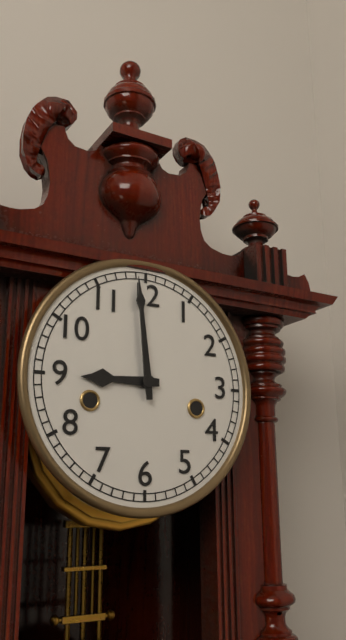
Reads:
8h59
